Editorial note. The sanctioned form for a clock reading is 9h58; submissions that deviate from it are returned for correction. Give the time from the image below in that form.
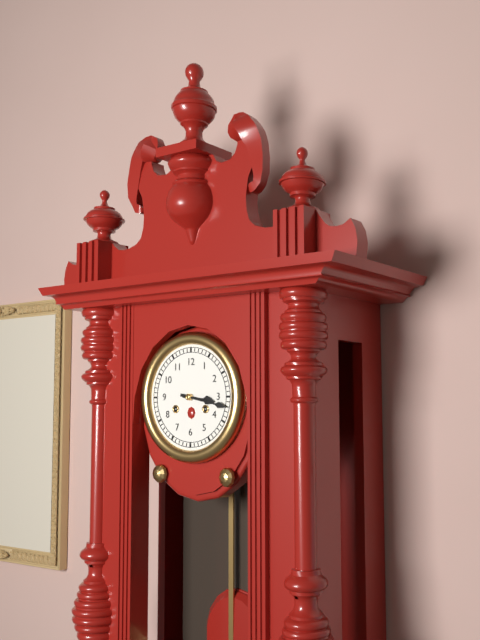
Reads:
3h17
